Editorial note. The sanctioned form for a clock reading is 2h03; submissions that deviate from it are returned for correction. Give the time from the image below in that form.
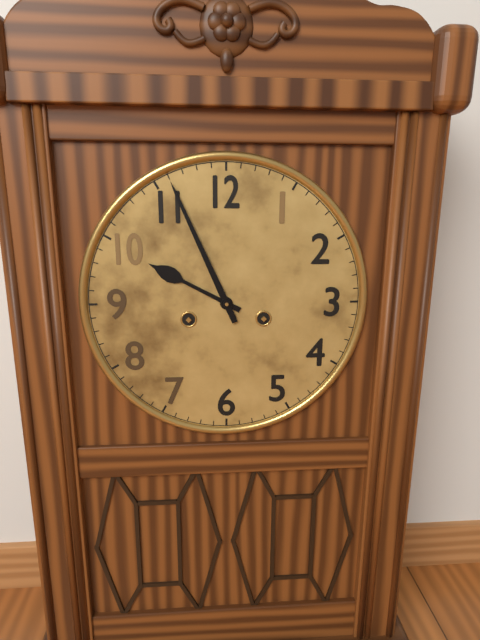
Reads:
9h56
